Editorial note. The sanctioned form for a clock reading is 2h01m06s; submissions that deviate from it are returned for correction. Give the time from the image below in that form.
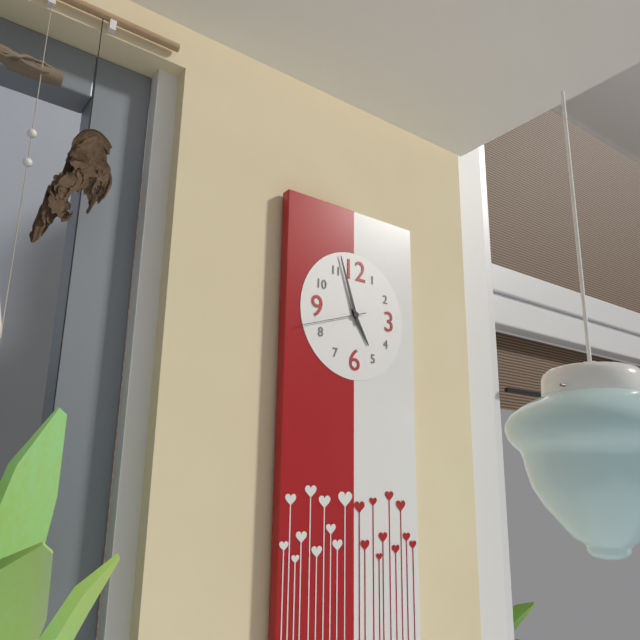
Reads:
4h57m42s
